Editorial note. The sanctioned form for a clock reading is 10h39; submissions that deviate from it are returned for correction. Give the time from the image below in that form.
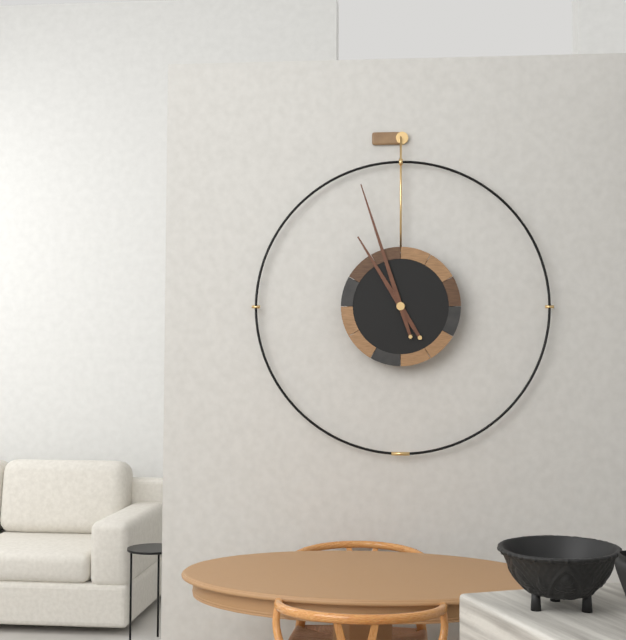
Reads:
10h57
